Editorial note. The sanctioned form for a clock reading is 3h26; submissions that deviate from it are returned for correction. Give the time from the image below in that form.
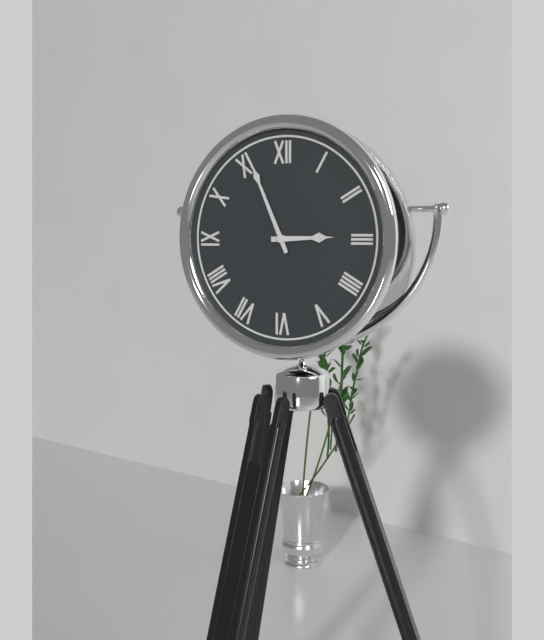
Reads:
2h56
